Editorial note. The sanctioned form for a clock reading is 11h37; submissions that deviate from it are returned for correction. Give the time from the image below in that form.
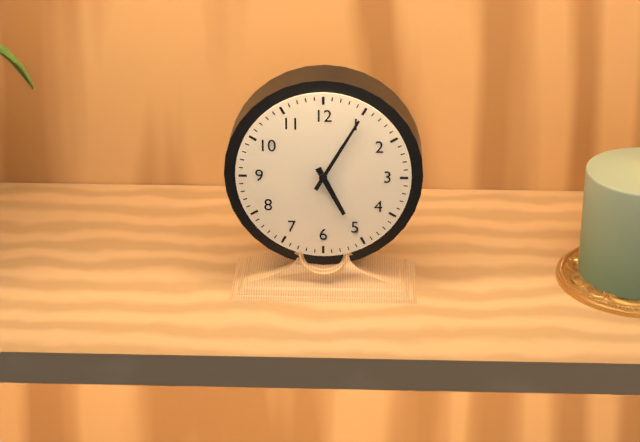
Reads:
5h05
